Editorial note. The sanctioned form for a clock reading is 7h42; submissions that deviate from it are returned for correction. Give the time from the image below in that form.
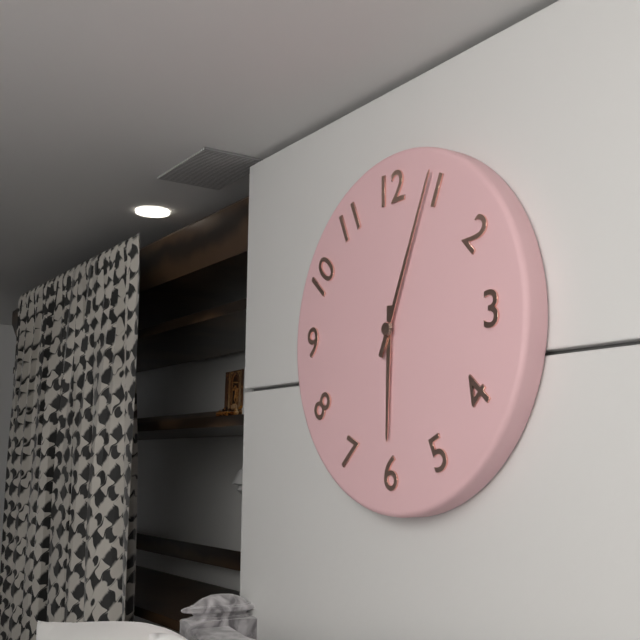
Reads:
6h04
